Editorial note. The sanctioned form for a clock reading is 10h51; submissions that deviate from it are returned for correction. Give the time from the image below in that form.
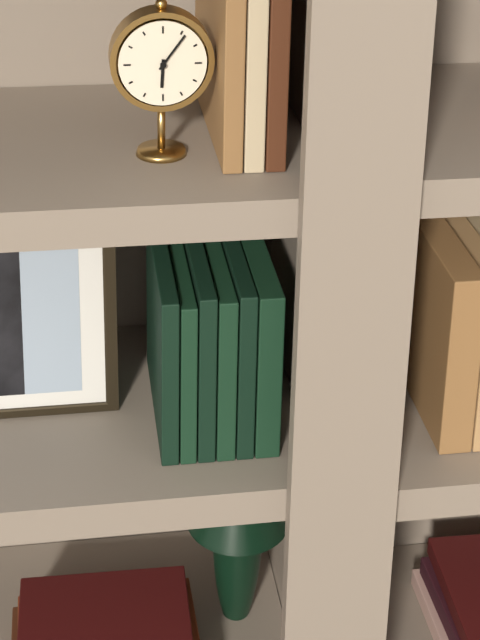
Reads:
6h06
